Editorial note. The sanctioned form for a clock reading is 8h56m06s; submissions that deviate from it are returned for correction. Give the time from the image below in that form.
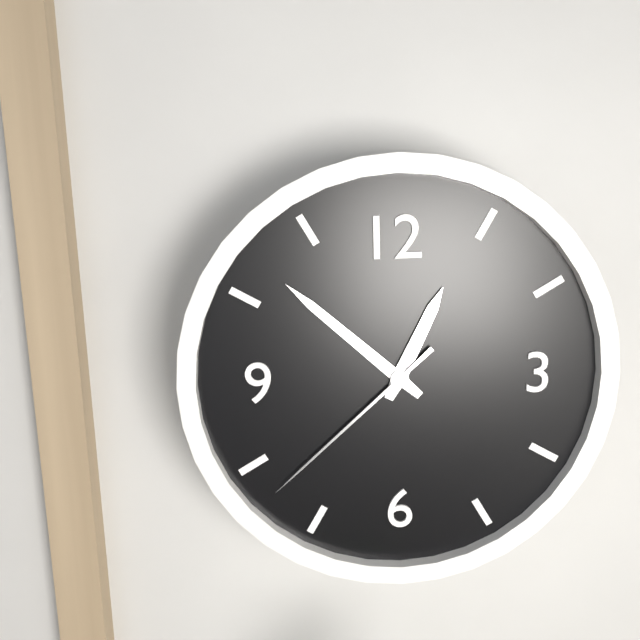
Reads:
12h52m38s
